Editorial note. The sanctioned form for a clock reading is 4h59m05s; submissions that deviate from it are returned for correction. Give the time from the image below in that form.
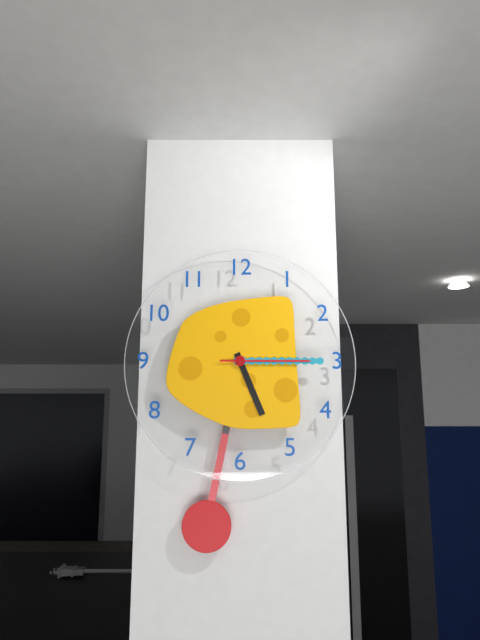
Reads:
5h15m15s
